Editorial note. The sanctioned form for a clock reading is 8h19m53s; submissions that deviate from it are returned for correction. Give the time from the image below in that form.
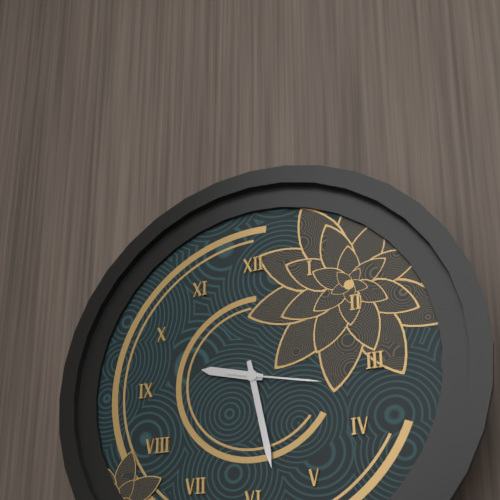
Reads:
9h28m17s
